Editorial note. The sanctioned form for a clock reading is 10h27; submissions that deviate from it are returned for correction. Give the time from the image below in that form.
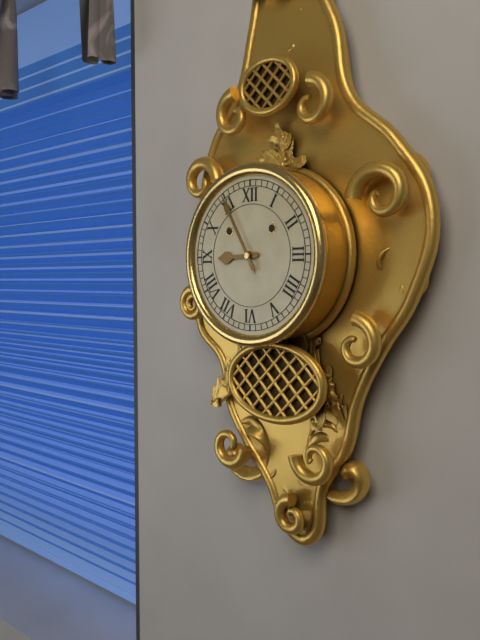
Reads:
8h55
